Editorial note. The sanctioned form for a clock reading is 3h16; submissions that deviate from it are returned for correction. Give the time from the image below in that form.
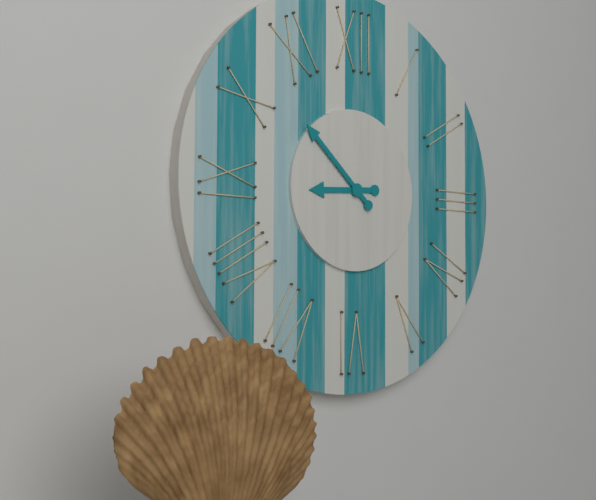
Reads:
8h52
